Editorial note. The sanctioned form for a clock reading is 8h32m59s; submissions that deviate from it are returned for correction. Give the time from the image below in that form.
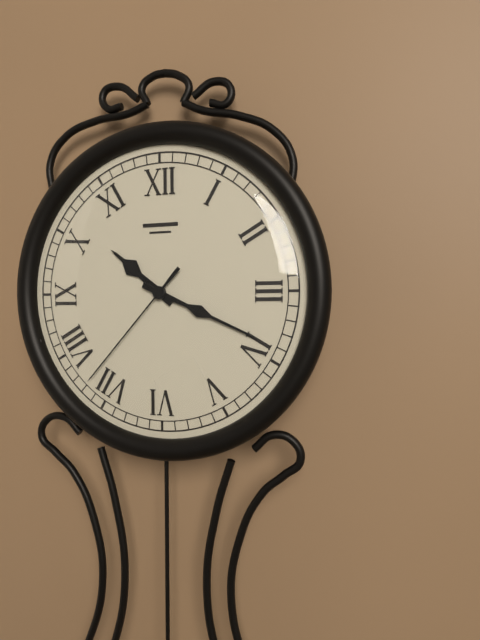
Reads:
10h19m37s
